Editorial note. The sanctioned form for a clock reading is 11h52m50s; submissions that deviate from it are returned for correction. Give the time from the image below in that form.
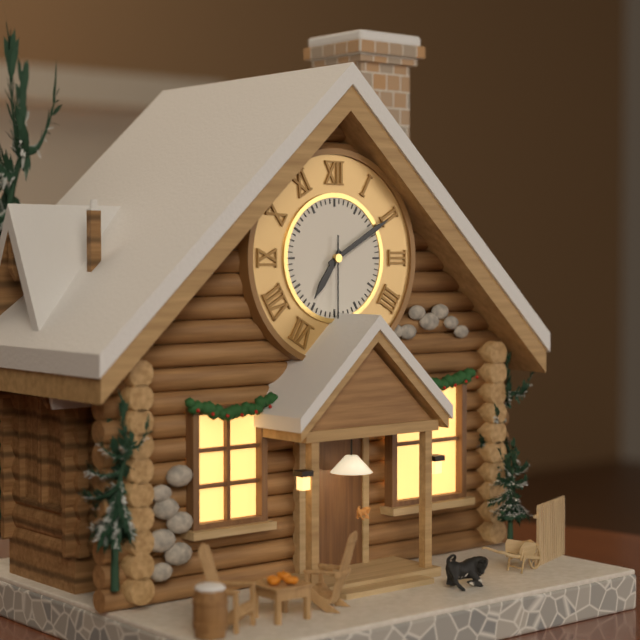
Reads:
7h10m30s
